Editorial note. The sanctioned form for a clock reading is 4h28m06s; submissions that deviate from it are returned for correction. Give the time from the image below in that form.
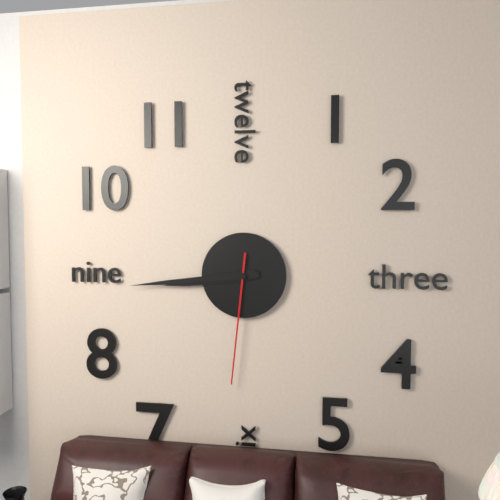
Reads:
8h44m31s
